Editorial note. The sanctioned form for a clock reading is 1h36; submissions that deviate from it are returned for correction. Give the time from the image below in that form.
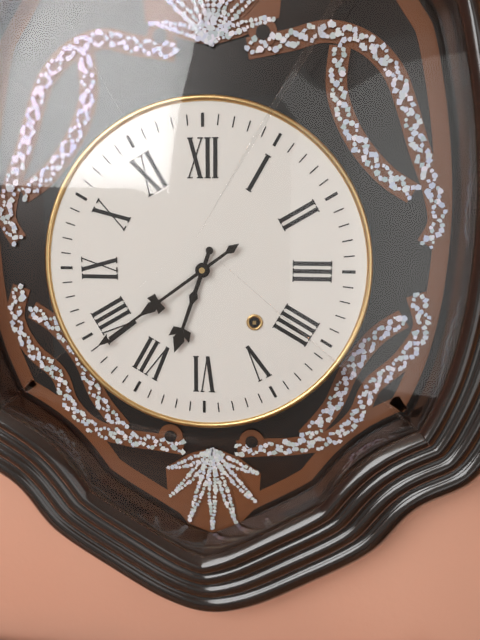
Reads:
6h39
